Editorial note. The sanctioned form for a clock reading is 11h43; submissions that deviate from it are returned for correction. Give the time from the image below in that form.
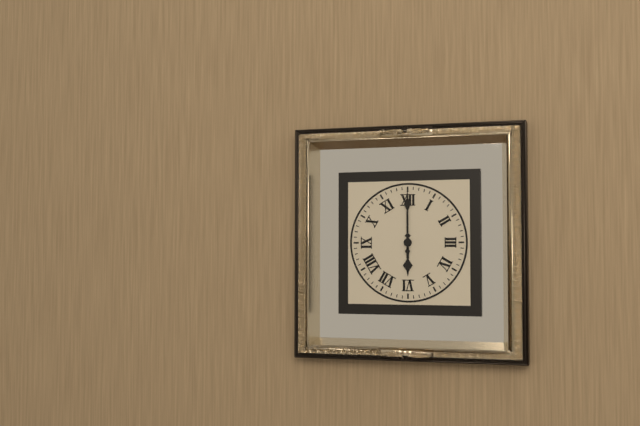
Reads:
6h00
